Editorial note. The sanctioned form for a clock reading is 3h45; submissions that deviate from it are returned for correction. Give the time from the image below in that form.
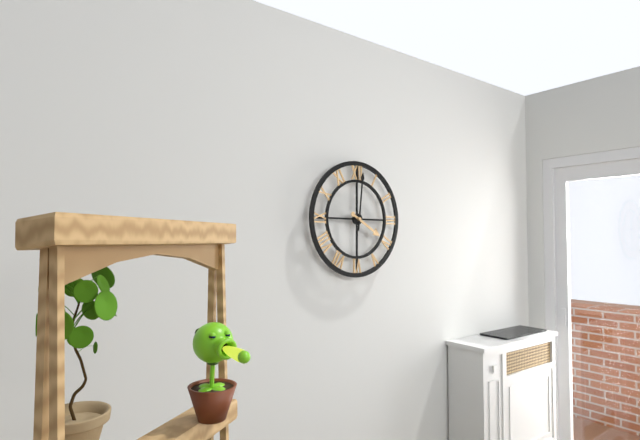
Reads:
4h01
